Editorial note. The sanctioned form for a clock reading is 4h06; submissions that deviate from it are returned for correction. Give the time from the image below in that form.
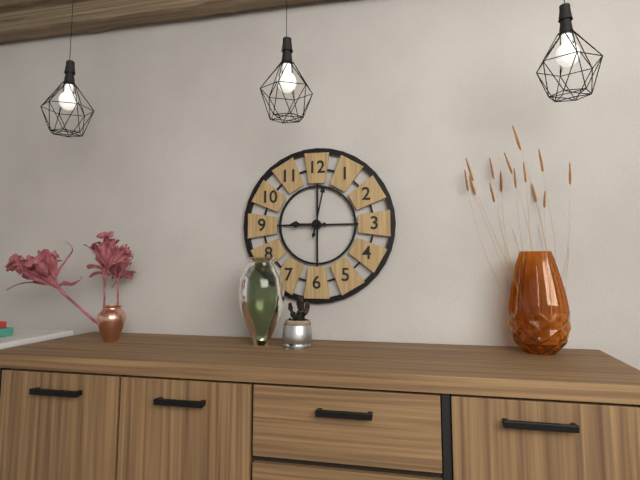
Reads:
9h02
